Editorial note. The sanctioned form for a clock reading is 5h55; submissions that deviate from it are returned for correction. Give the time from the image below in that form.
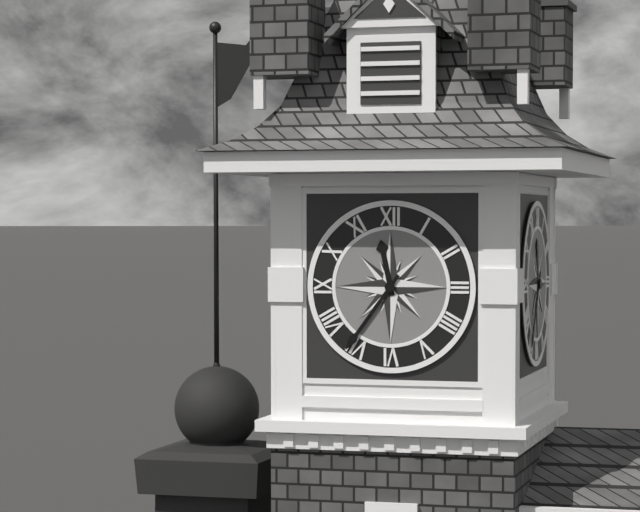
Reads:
11h36
